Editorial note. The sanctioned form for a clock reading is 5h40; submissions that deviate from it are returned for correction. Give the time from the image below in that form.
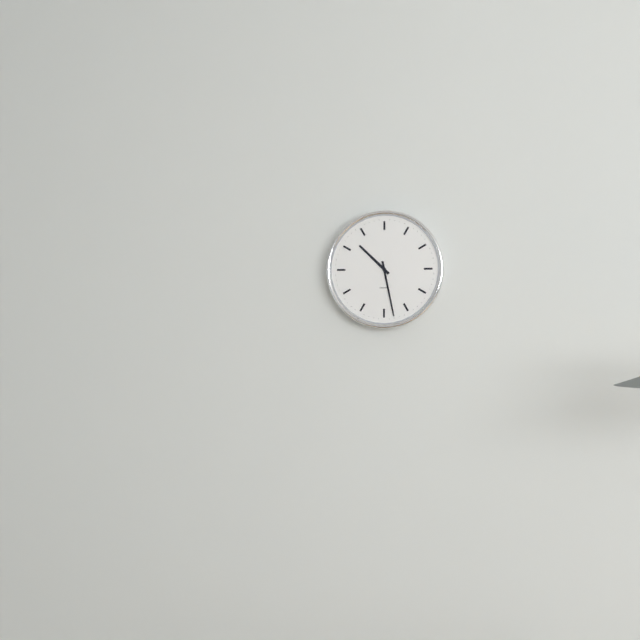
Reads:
10h28
